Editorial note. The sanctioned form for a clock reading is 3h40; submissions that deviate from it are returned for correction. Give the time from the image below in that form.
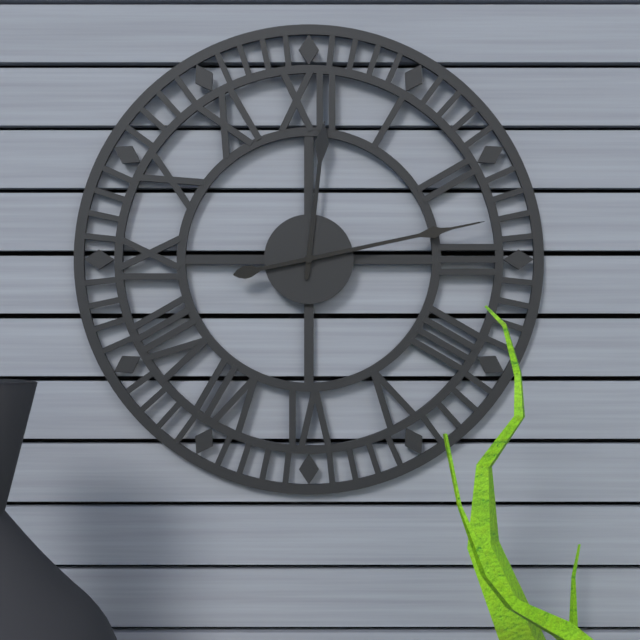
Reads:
12h13
